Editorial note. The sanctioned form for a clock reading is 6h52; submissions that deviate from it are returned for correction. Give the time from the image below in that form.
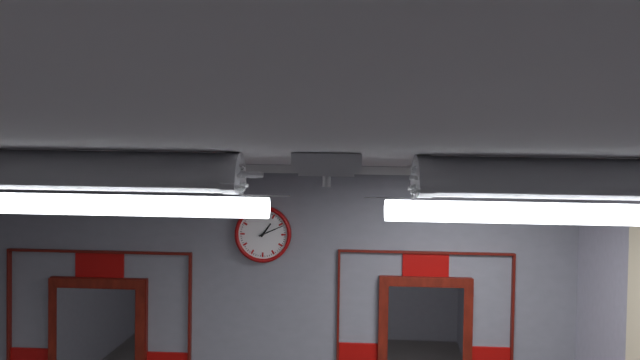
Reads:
1h11
